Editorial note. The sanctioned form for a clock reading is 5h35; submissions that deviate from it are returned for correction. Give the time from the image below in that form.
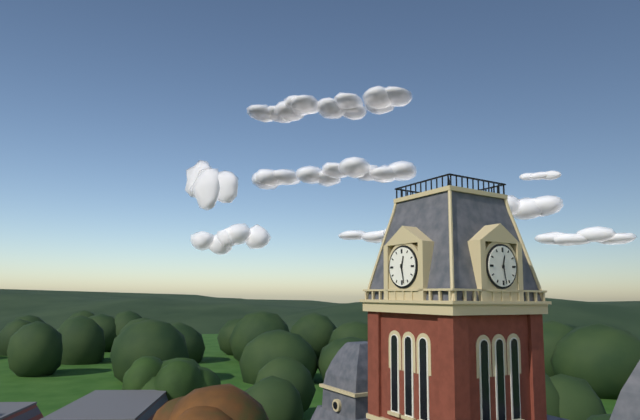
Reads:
12h28
